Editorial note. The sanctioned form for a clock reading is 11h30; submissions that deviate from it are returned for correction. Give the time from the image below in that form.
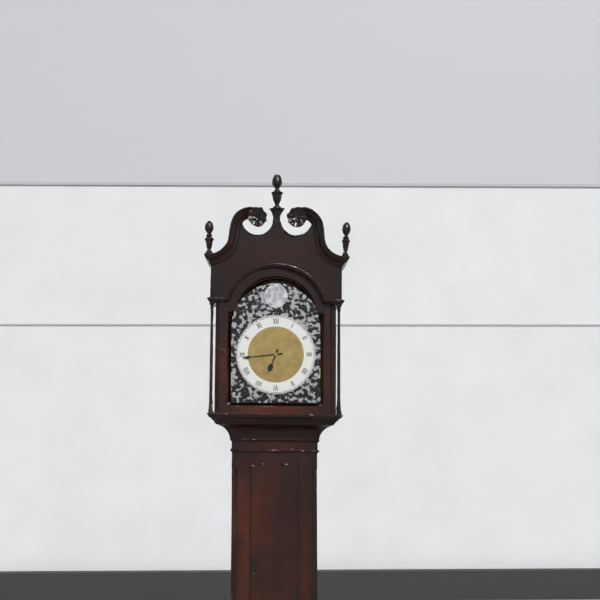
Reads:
6h44
